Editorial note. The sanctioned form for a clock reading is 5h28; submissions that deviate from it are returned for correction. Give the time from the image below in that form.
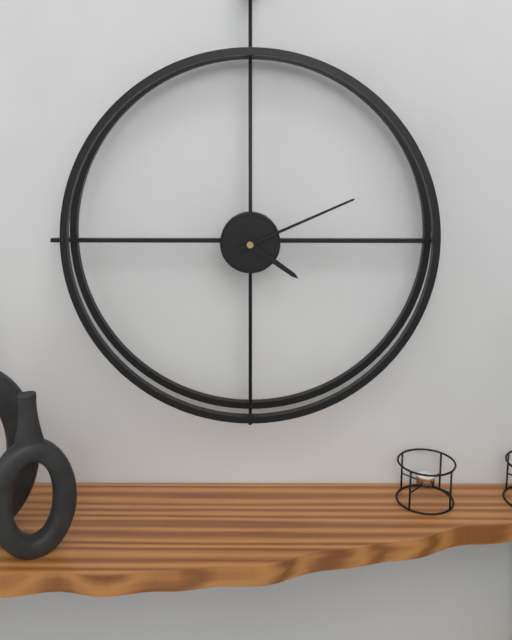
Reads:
4h11
